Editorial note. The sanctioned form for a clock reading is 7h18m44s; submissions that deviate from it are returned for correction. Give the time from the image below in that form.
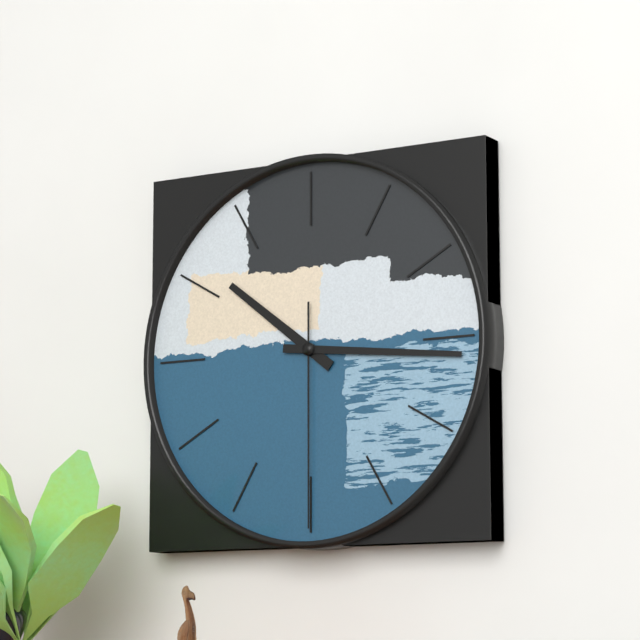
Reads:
10h16m30s
